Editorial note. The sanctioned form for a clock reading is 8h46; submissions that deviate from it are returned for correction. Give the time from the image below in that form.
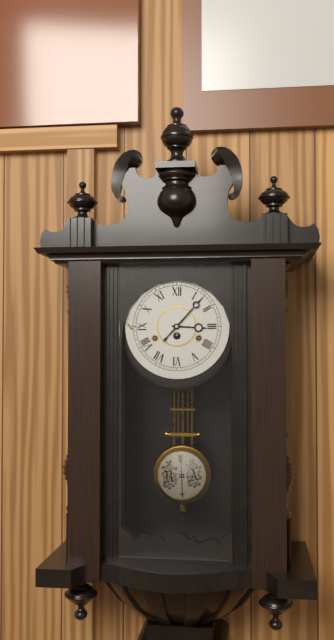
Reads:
3h07
